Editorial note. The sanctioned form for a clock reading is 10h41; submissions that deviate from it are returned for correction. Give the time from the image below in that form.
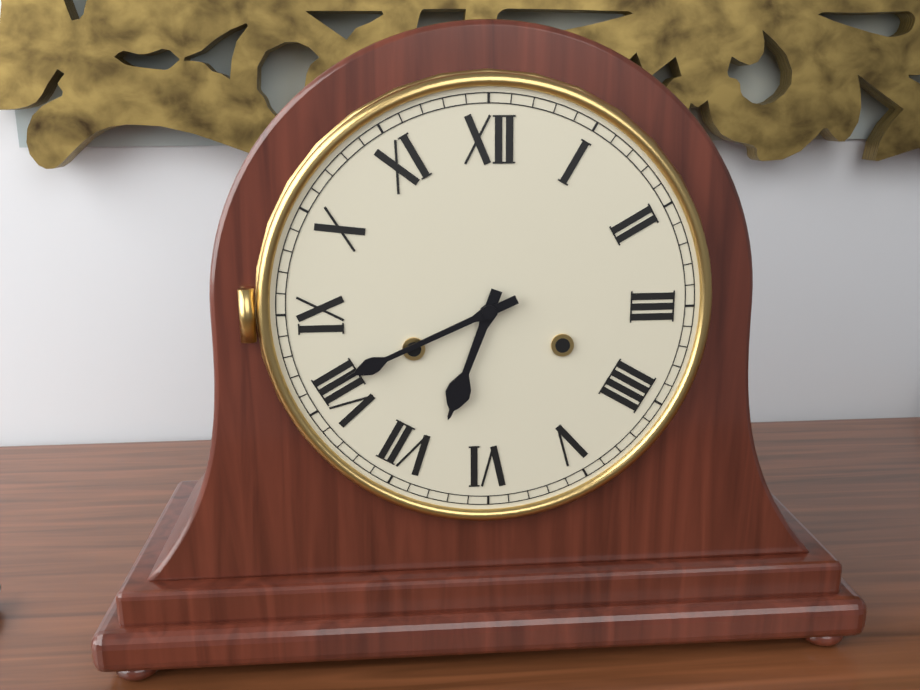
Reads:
6h41
